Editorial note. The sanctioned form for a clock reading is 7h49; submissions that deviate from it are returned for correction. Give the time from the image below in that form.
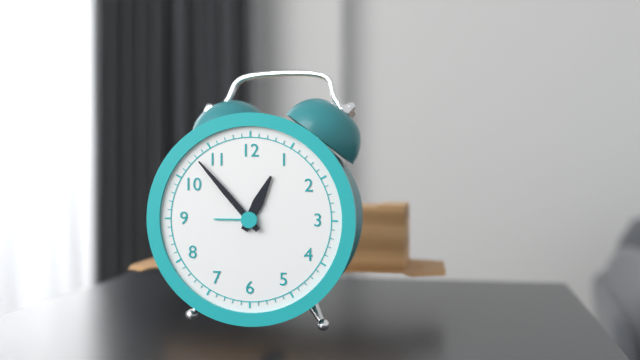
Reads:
12h53
